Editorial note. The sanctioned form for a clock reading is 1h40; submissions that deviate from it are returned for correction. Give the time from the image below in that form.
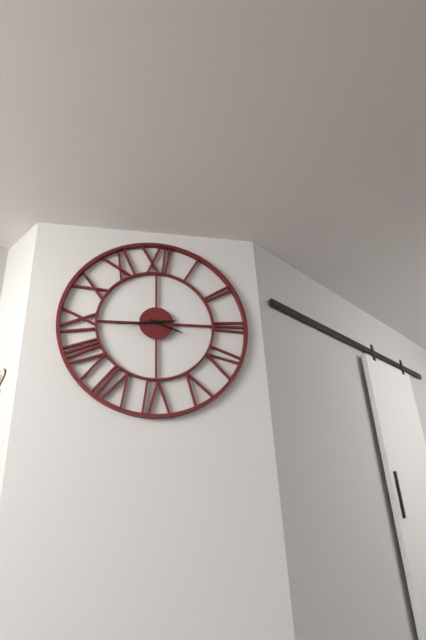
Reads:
3h44
